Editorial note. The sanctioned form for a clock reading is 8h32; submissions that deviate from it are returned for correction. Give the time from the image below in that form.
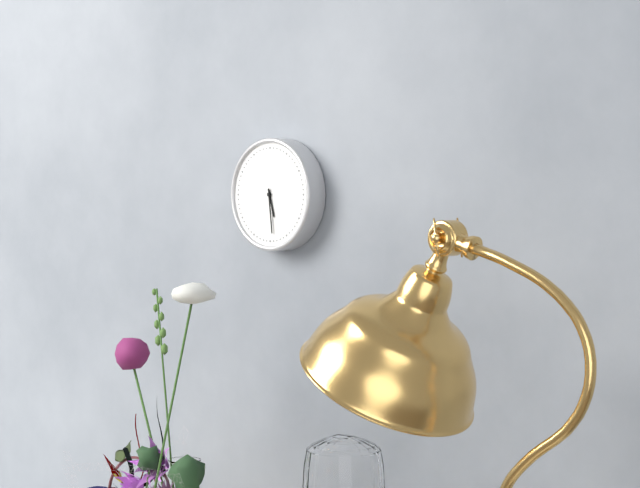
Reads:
5h29
